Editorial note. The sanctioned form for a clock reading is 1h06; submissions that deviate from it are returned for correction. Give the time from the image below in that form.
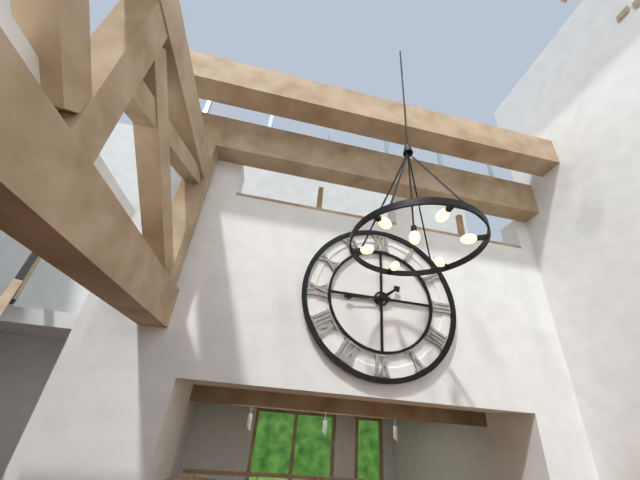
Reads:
1h44
